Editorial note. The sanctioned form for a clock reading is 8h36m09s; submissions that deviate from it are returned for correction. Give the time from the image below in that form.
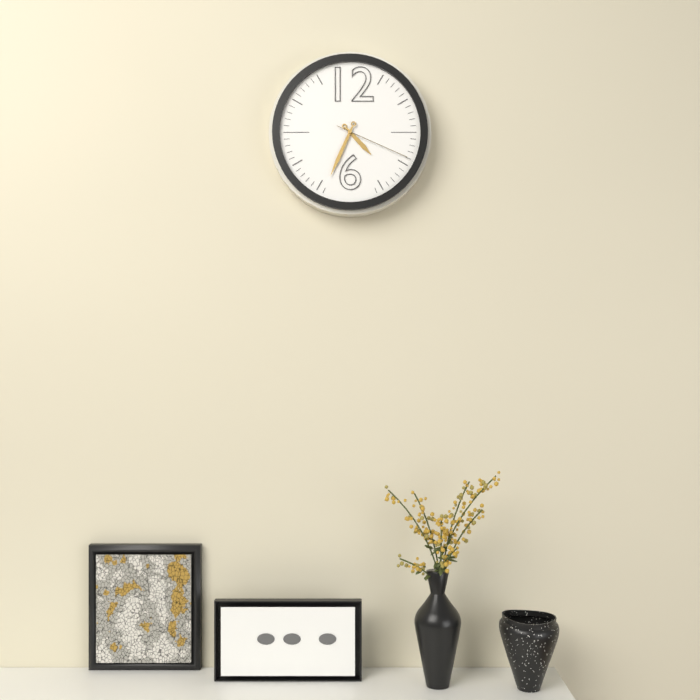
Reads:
4h34m19s
